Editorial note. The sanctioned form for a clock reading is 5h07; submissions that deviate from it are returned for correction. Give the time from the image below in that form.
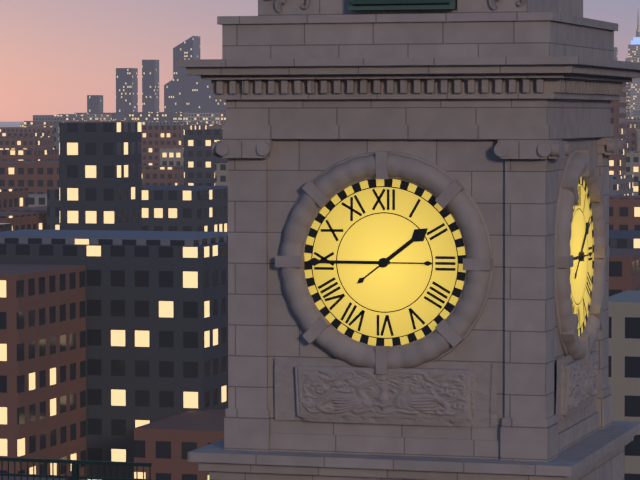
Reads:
1h45
